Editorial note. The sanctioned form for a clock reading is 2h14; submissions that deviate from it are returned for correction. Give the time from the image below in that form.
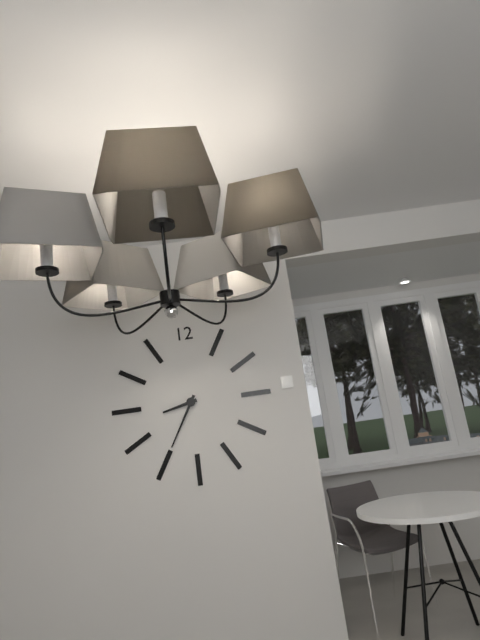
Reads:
8h35
